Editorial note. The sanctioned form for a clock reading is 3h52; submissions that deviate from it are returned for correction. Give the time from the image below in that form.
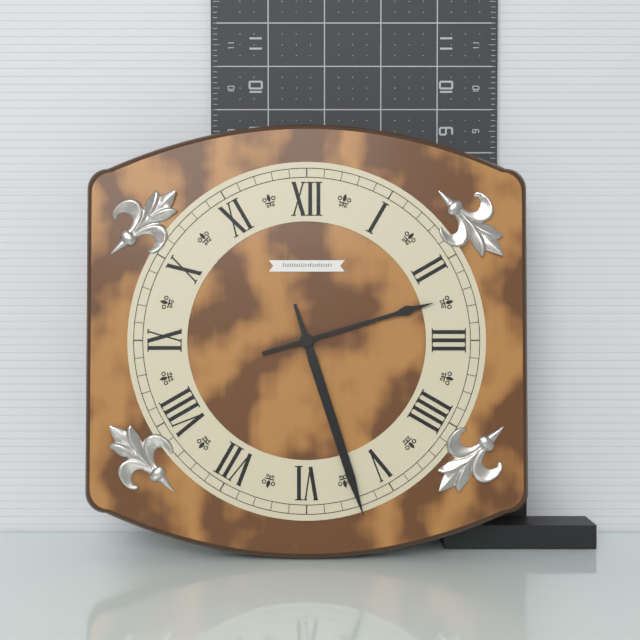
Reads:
2h27
